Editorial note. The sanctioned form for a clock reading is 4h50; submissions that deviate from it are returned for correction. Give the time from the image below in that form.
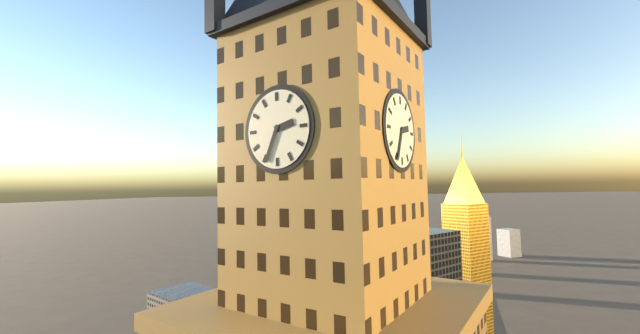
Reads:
2h34
